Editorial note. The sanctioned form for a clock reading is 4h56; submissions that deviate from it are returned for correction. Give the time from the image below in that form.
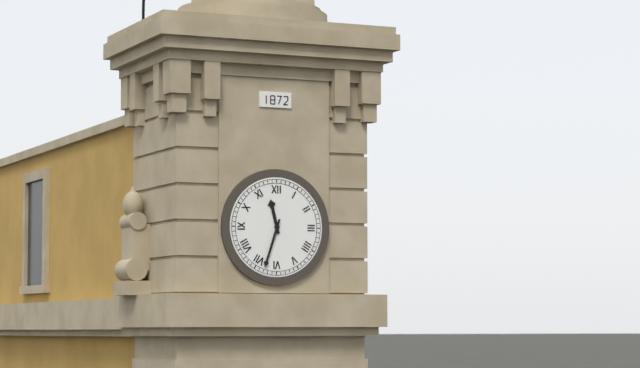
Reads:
11h33
